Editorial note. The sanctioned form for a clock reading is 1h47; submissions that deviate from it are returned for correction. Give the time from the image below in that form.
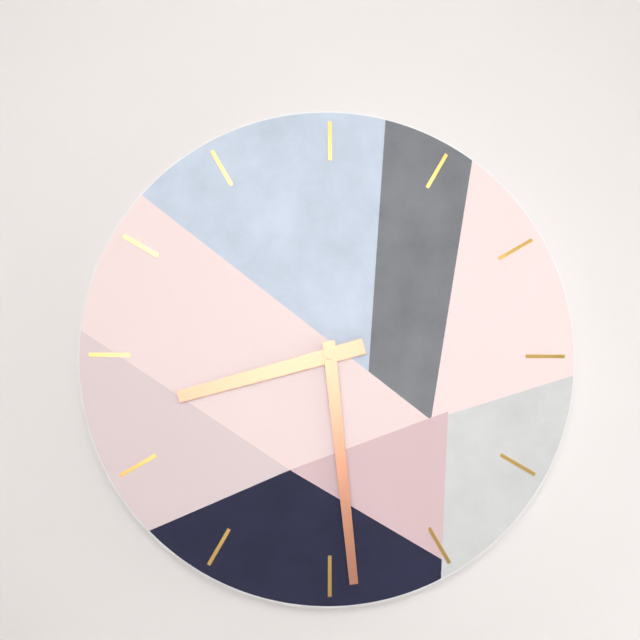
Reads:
8h29
